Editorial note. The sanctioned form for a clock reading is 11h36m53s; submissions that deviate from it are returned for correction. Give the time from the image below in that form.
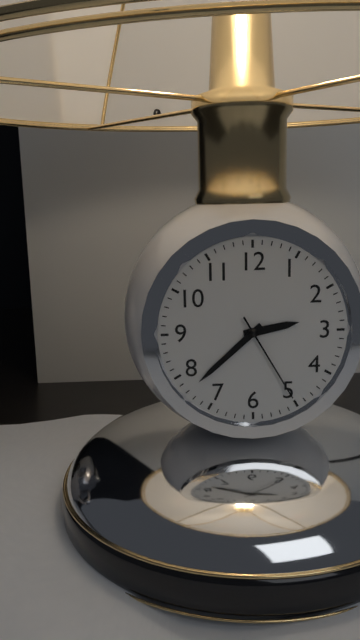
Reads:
2h38m25s
